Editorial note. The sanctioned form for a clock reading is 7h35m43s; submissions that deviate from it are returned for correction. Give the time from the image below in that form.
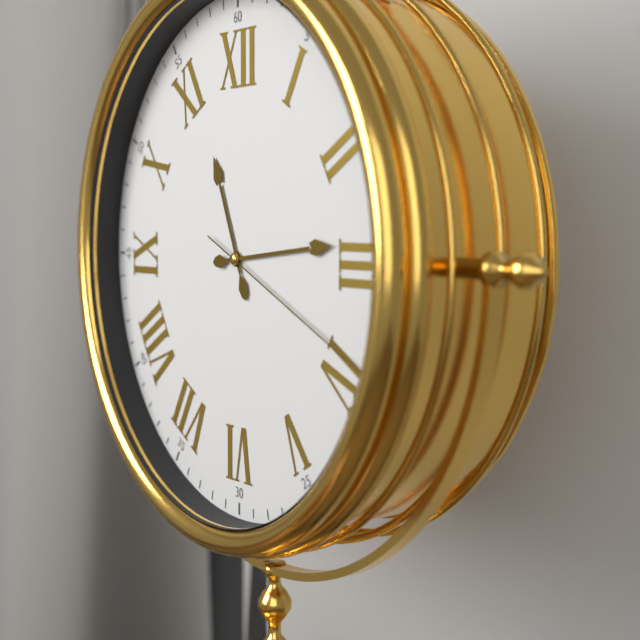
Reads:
11h14m19s
